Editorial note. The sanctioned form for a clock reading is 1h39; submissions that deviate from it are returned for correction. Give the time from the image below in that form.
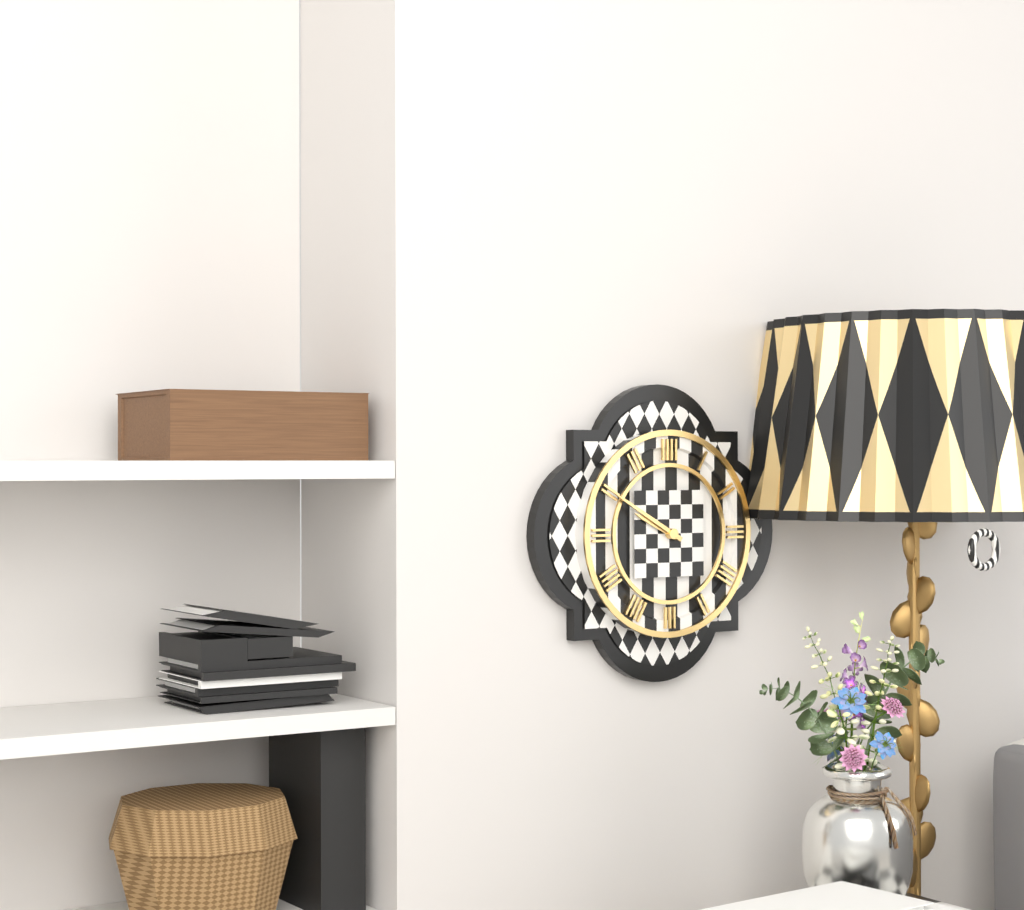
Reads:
9h50
